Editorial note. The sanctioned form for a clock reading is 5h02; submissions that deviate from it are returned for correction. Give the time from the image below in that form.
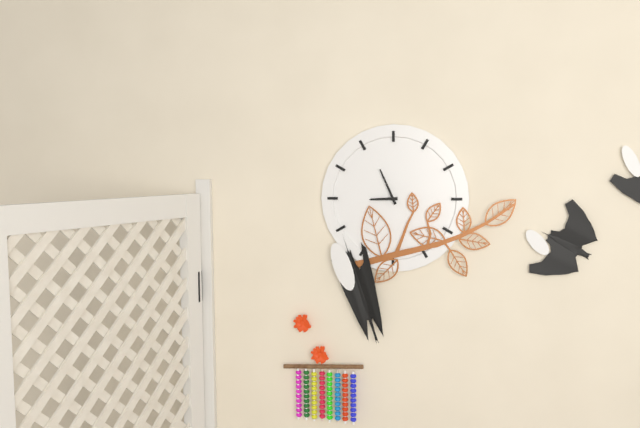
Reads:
8h56
